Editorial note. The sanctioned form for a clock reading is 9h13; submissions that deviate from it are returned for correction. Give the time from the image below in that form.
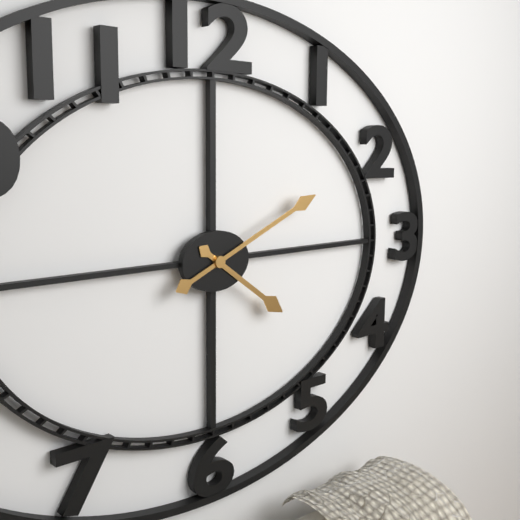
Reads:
4h11
